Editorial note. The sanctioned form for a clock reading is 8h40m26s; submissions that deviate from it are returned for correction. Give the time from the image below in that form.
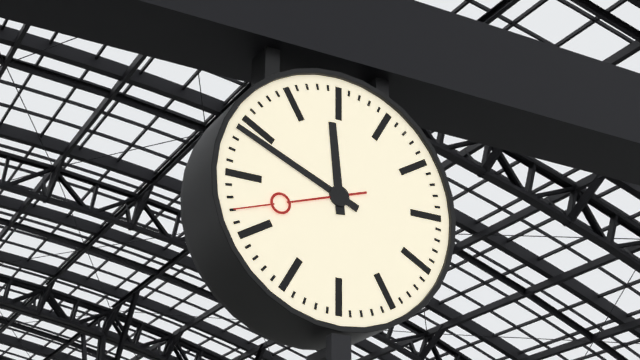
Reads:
11h49m42s
